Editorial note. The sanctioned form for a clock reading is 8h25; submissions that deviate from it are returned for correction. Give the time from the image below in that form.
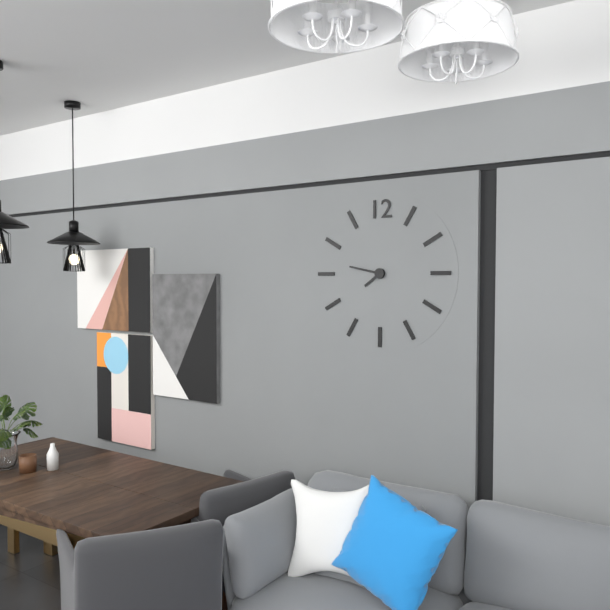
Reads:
7h47
